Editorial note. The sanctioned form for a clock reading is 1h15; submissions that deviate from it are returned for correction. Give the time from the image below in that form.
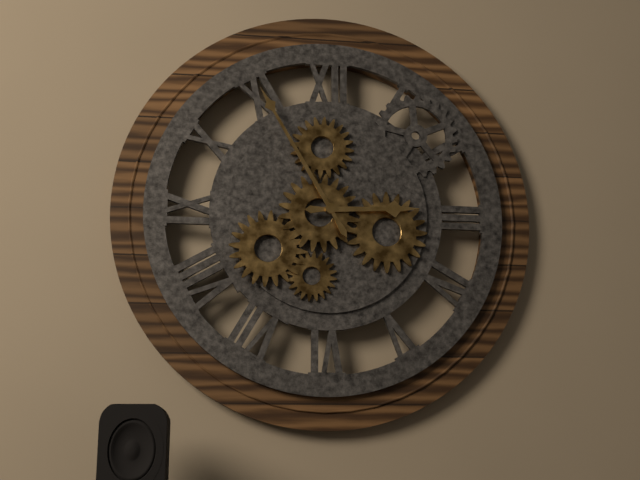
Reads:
2h55
